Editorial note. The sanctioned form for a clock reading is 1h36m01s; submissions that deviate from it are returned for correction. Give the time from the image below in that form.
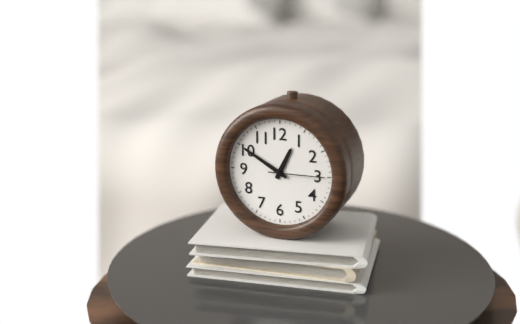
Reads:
12h50m15s
